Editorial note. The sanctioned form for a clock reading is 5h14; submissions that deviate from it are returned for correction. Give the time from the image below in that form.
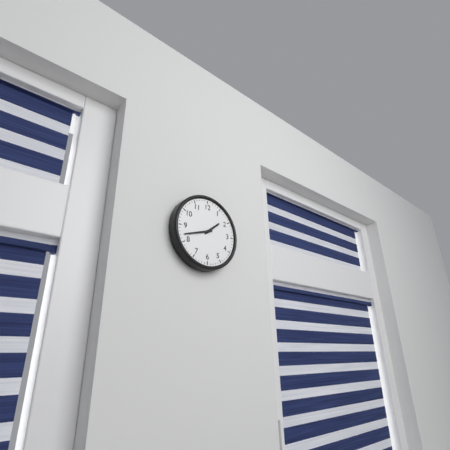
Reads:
1h42
